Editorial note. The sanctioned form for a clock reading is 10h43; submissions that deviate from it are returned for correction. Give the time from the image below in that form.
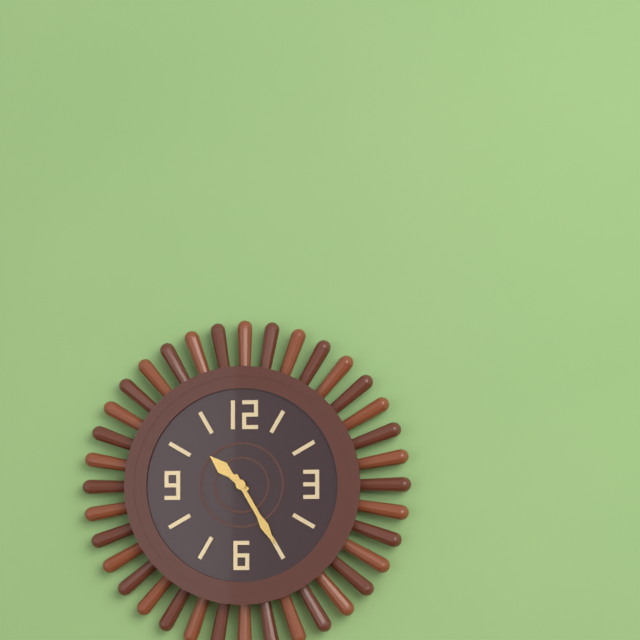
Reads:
10h25
